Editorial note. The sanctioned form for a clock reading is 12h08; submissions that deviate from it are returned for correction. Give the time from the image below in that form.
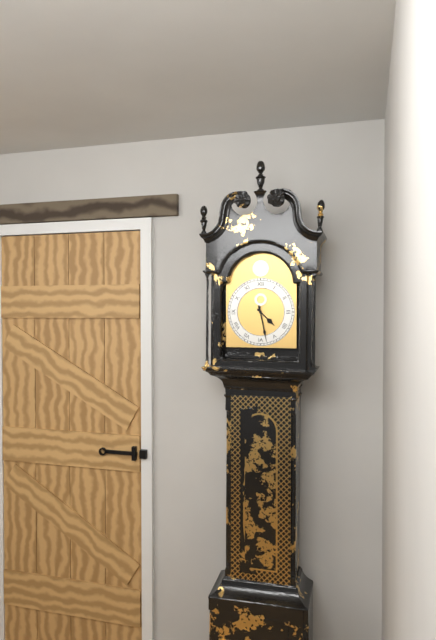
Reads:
4h28
